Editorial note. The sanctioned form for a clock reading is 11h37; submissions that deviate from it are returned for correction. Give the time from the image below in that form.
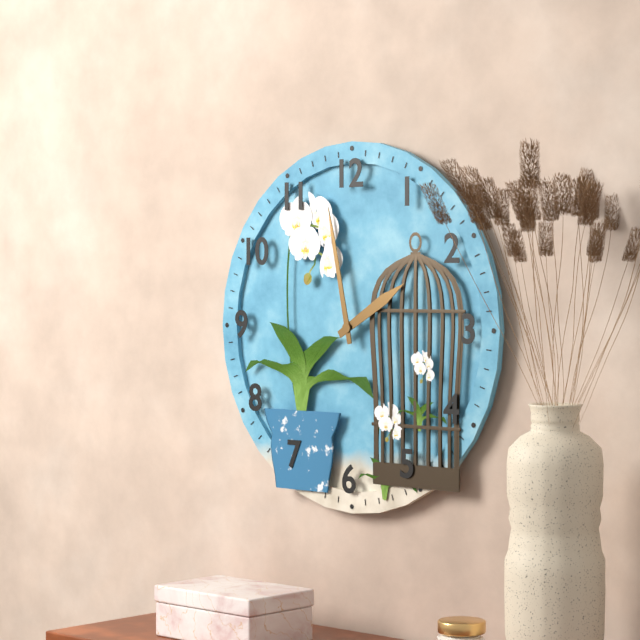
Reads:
1h58
